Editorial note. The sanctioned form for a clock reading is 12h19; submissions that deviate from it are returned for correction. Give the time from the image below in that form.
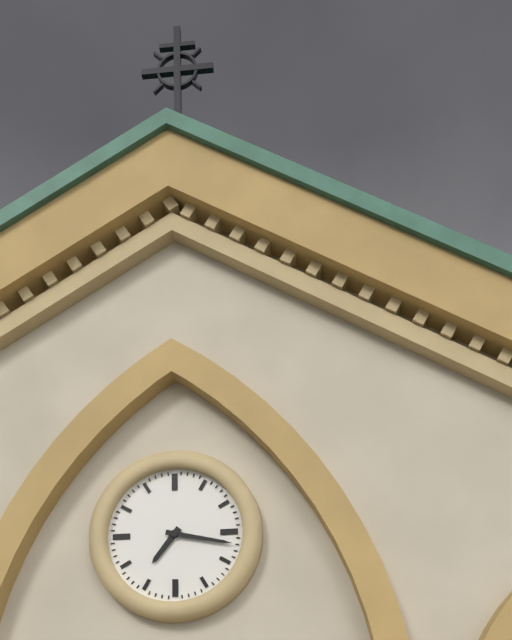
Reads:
7h17
